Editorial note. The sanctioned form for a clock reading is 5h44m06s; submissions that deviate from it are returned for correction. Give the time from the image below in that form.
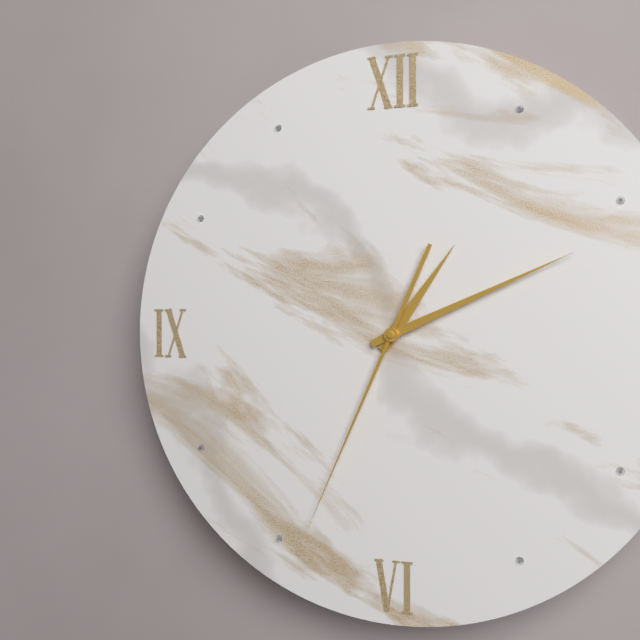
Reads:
1h11m34s
